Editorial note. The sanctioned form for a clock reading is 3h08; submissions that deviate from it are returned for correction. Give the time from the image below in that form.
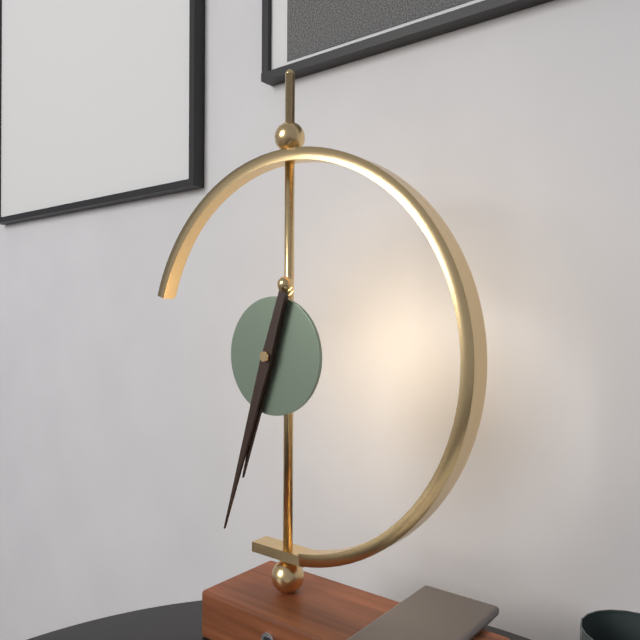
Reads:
6h33
